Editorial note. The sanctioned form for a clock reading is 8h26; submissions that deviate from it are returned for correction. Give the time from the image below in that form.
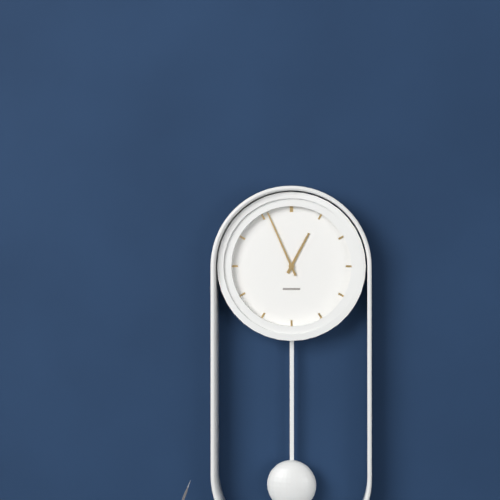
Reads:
12h56
